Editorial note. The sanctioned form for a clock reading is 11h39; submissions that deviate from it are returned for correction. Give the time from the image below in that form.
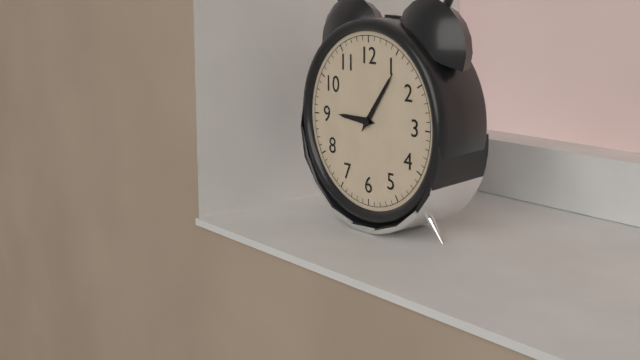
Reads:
9h06
